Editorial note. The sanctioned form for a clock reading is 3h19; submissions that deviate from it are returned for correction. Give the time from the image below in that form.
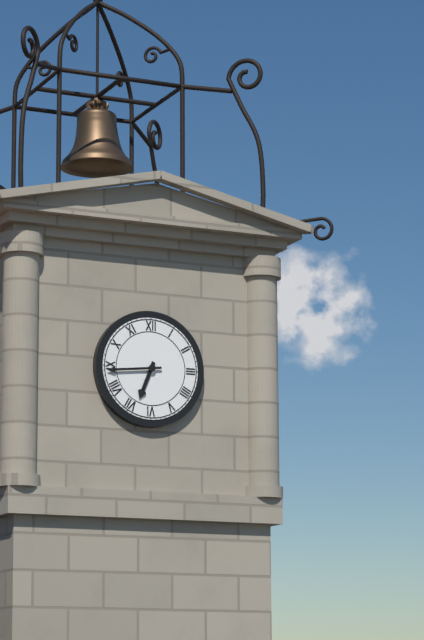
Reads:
6h44
